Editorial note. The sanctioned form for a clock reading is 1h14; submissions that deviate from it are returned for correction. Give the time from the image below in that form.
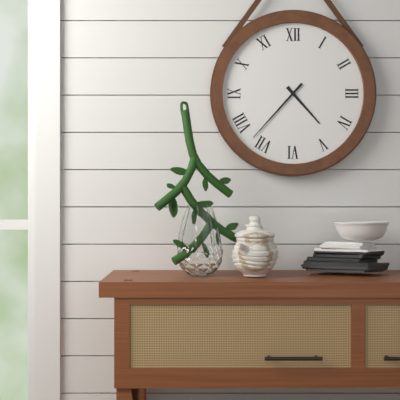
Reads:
4h37
